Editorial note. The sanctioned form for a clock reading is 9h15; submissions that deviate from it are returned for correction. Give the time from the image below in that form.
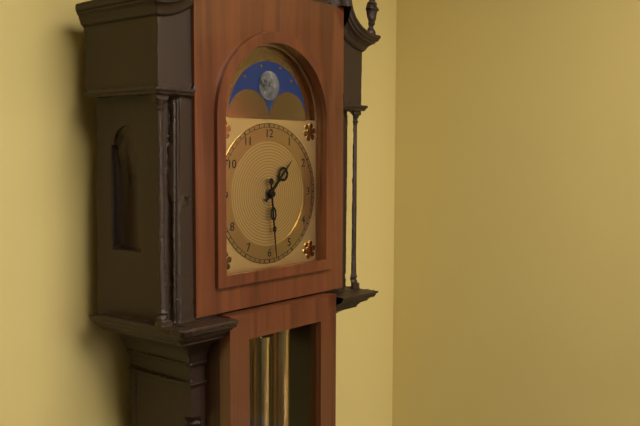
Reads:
1h29
